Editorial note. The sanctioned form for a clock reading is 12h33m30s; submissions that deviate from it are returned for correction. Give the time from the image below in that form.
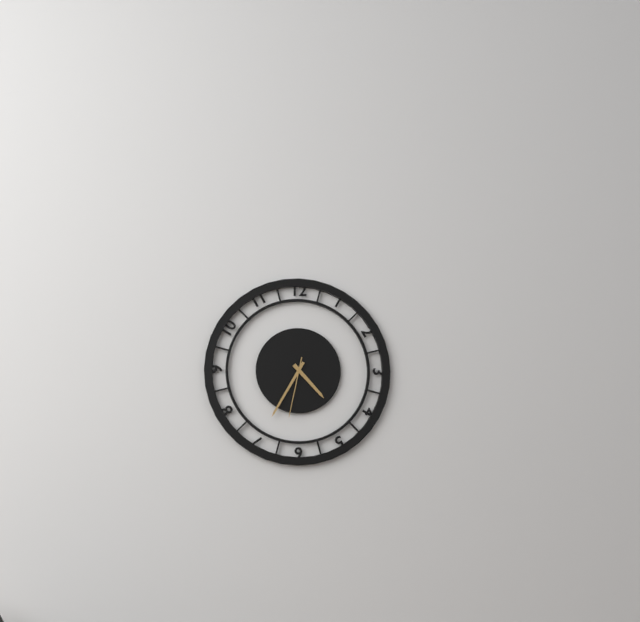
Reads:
4h35m32s
